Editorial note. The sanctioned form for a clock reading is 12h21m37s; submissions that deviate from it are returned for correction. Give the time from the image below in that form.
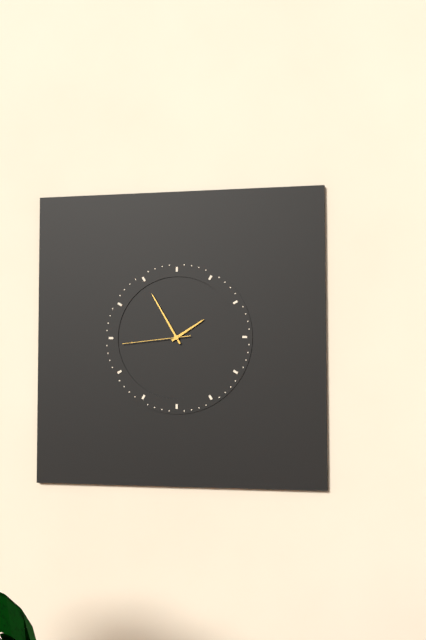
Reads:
1h55m44s
